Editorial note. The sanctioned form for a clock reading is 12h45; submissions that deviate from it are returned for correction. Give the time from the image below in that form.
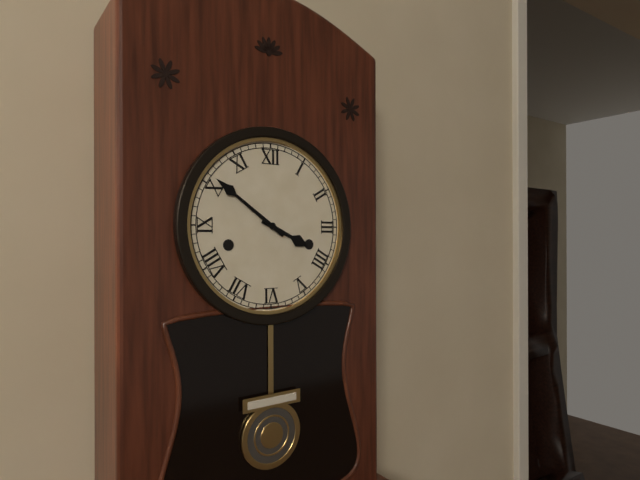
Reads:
3h51
